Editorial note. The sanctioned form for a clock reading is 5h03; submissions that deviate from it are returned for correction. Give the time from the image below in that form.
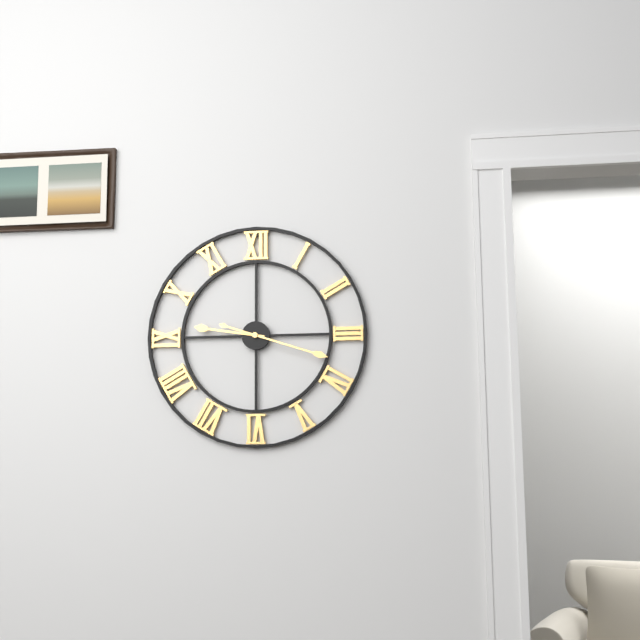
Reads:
9h18
